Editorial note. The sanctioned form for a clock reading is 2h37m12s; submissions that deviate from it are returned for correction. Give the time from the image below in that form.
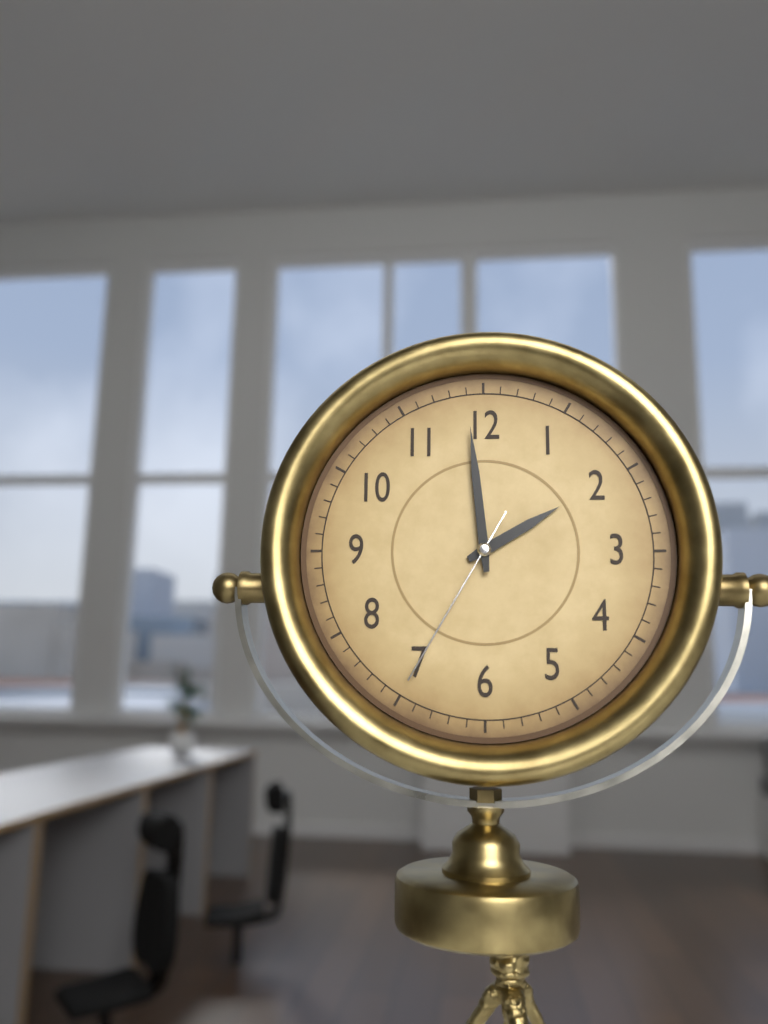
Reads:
1h59m35s
